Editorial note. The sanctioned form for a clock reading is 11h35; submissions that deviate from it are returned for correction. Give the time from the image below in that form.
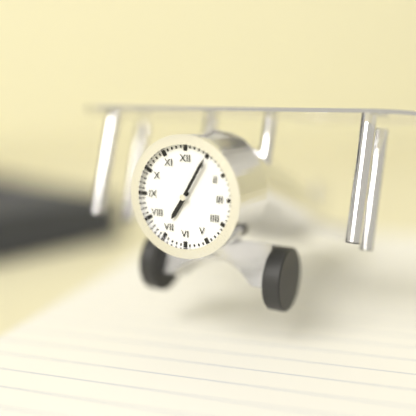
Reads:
7h05
